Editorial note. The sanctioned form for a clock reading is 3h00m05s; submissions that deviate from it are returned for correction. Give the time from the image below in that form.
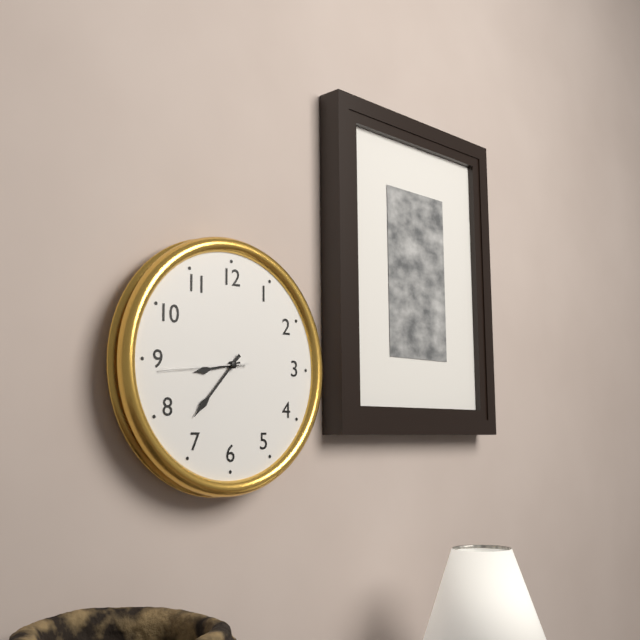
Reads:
8h37m44s
